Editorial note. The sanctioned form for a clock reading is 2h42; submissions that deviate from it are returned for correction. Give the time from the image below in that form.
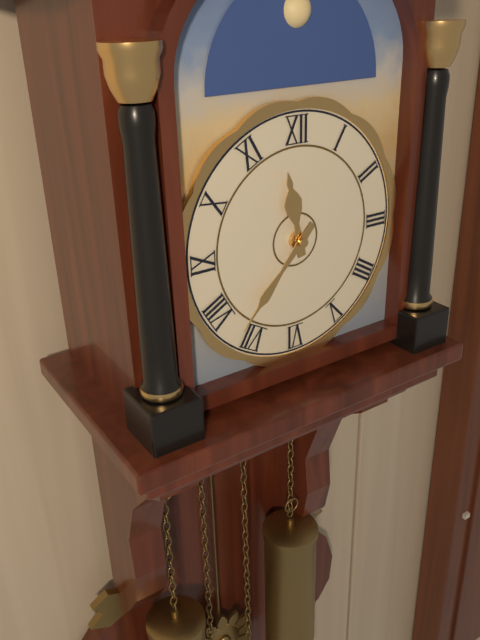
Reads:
11h37
